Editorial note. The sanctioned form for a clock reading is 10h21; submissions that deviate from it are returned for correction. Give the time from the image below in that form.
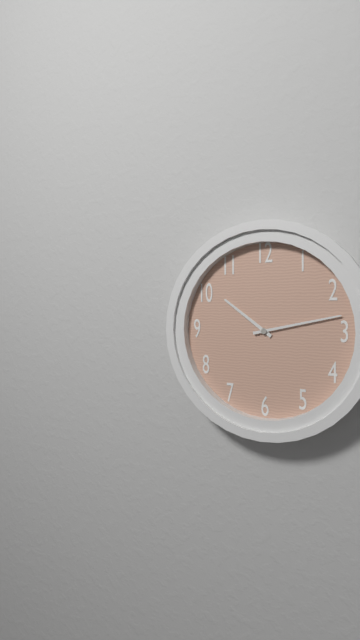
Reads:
10h13
